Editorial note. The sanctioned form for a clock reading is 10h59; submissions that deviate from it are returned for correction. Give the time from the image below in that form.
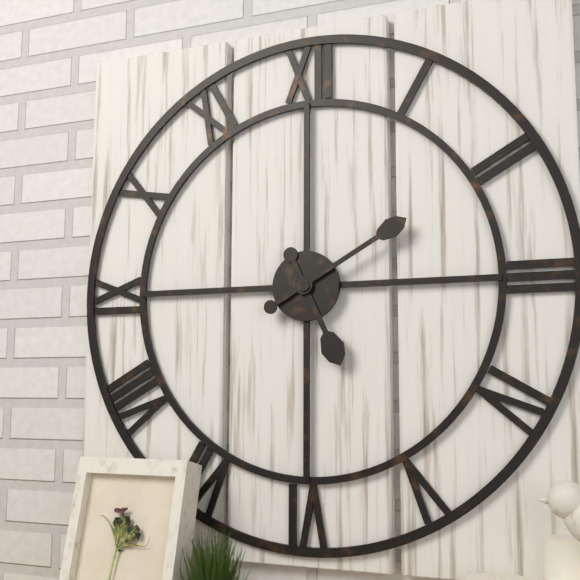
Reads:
5h10
